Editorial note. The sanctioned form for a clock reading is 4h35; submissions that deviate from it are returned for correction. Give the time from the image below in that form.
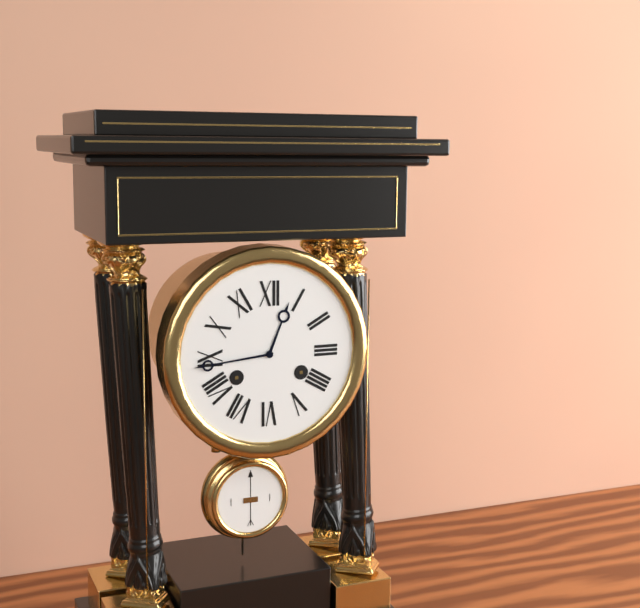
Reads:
12h44
